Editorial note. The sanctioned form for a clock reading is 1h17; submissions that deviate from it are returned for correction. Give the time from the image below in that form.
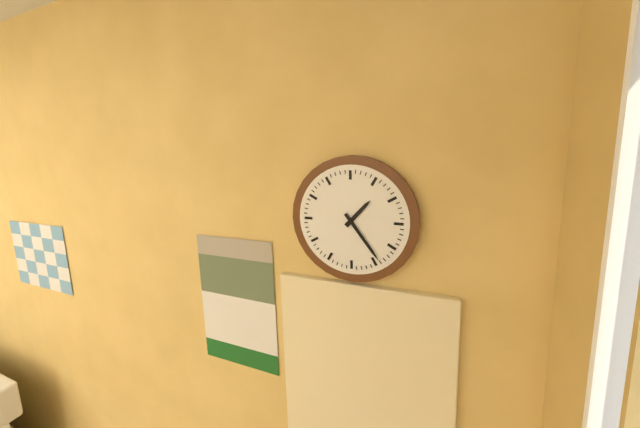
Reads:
1h24
